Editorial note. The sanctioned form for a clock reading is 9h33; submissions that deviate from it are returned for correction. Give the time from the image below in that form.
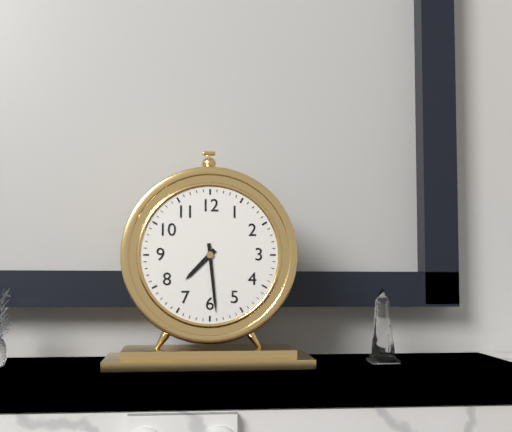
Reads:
7h29
